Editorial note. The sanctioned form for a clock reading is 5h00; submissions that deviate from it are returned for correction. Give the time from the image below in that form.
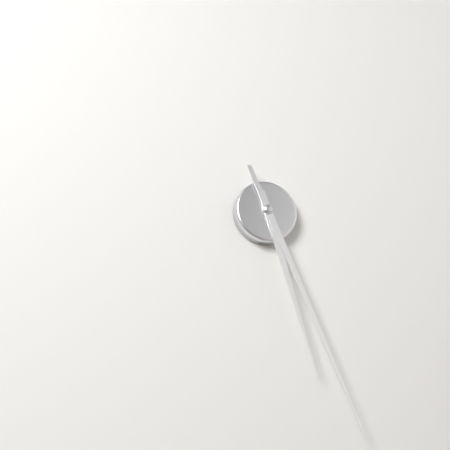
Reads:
5h26
